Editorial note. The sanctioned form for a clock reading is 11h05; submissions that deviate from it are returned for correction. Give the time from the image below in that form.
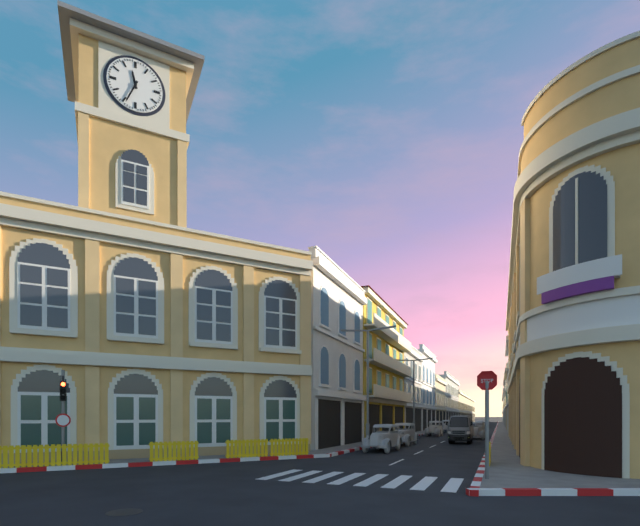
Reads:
11h34
